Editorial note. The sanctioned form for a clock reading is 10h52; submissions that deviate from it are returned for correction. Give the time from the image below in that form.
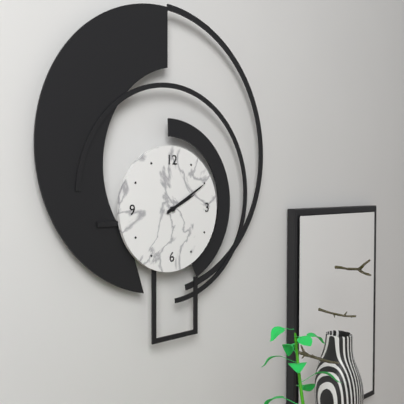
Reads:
2h10
